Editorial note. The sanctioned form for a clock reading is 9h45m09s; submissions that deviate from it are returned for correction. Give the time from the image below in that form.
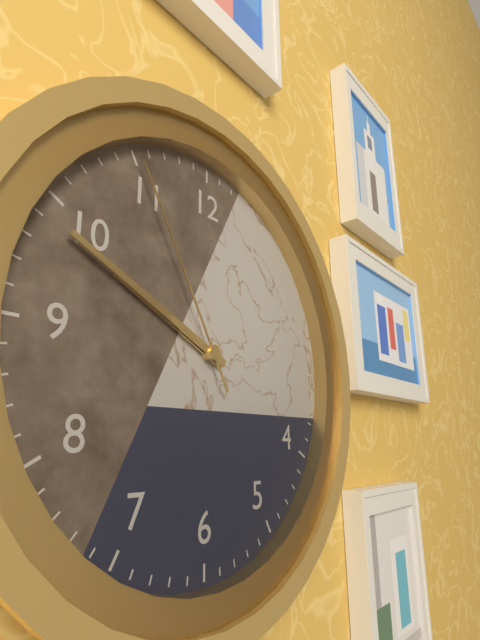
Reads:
9h49m55s
